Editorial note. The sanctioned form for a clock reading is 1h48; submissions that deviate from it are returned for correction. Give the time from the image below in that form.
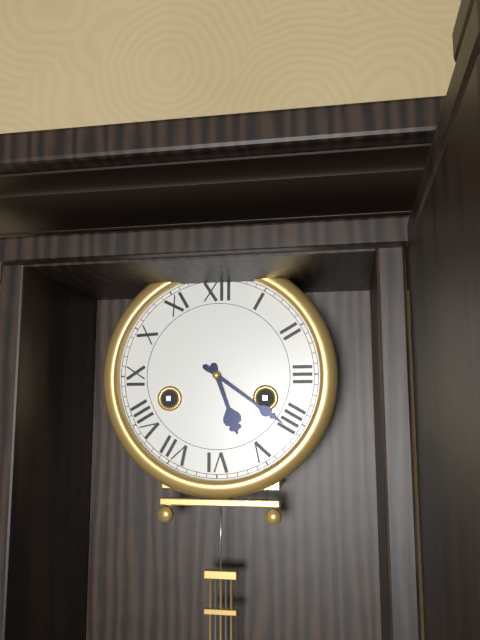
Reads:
5h21
